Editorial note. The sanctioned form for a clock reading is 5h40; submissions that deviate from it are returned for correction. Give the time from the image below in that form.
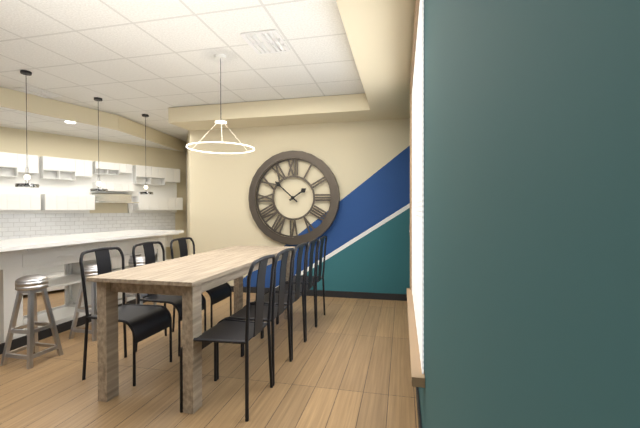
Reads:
1h52
